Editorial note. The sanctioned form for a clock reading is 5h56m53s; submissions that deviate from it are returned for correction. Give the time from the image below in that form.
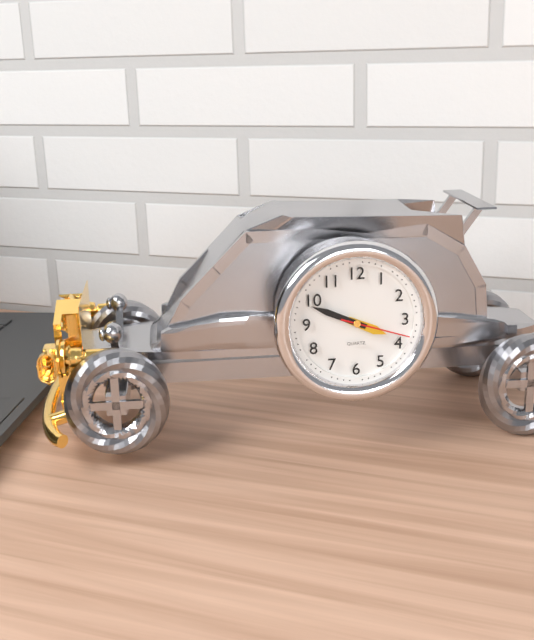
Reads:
3h49m18s
